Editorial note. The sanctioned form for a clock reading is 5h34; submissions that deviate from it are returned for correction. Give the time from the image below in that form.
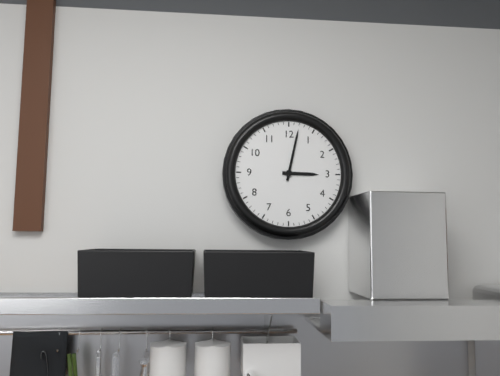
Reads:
3h02
